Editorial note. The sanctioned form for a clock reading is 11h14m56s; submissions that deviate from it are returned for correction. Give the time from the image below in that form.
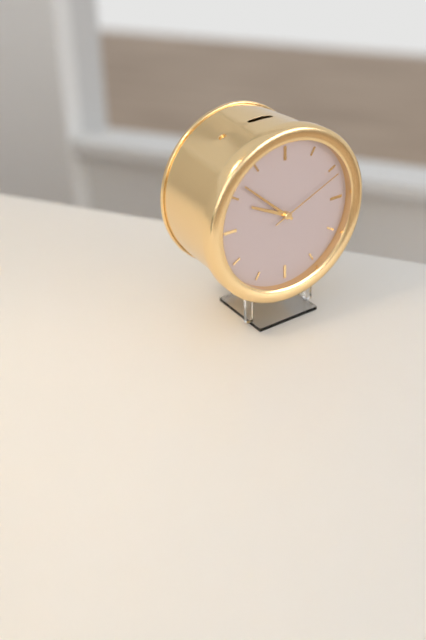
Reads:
9h52m11s
